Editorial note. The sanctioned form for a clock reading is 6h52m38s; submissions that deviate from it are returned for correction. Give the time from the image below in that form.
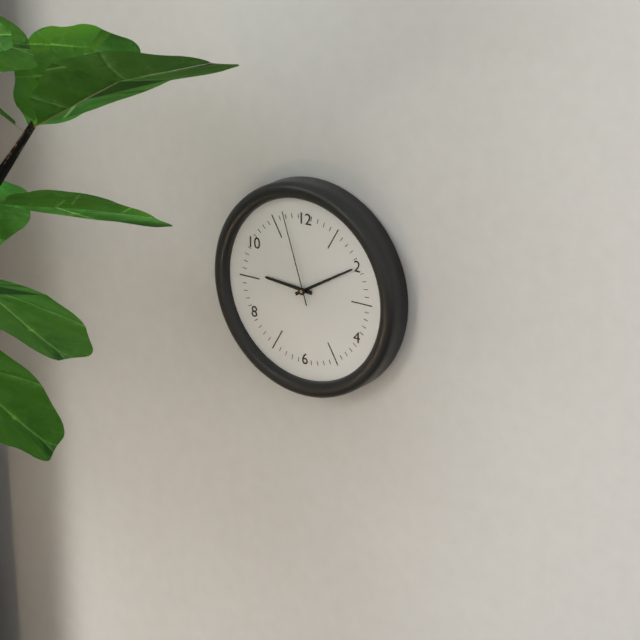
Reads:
9h10m57s
